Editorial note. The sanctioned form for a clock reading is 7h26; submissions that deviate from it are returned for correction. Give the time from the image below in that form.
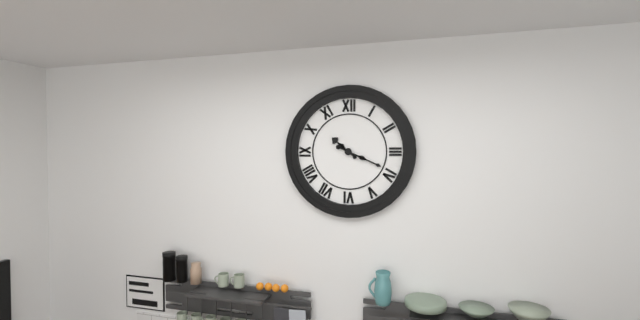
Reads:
10h19
